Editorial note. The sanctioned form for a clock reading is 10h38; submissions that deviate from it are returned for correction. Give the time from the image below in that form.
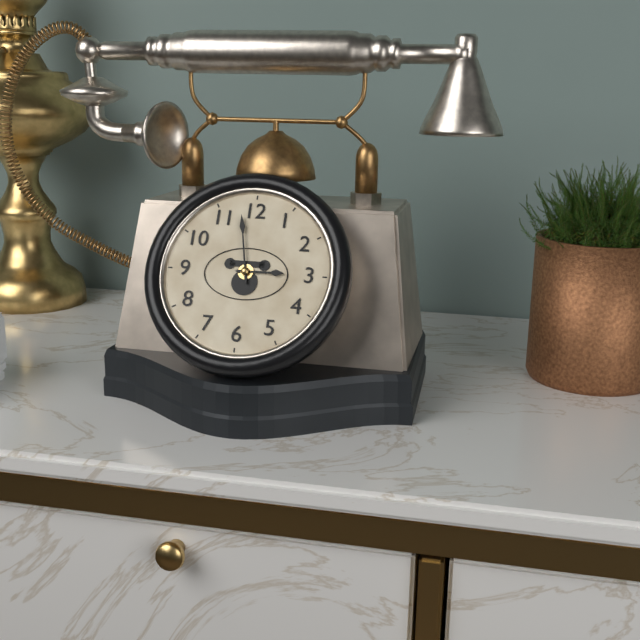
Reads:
2h58
